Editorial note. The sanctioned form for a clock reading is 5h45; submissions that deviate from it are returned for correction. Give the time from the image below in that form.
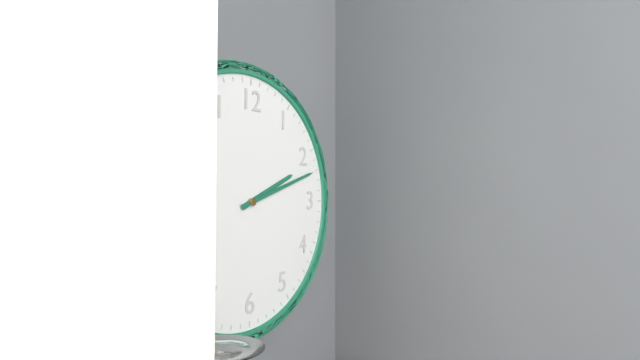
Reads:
2h12
